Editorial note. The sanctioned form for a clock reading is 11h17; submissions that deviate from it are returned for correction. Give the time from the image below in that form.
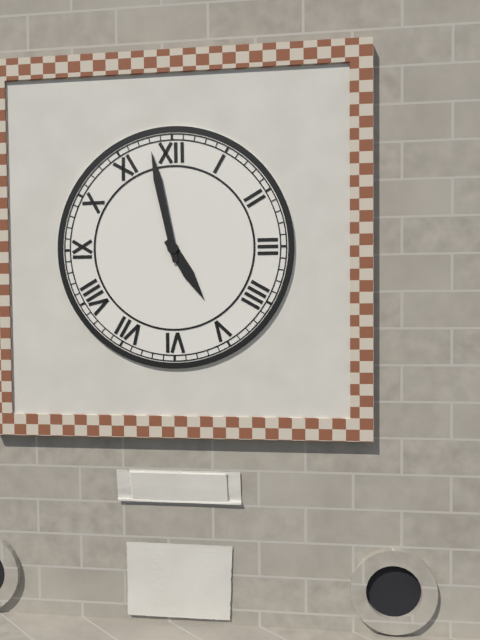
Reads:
4h58
